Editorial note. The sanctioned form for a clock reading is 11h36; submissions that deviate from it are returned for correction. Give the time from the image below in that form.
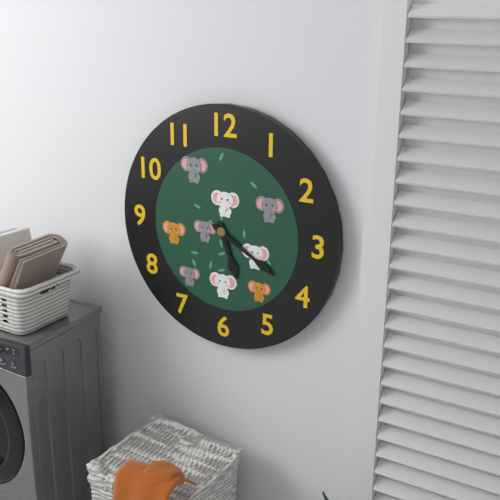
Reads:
5h20
